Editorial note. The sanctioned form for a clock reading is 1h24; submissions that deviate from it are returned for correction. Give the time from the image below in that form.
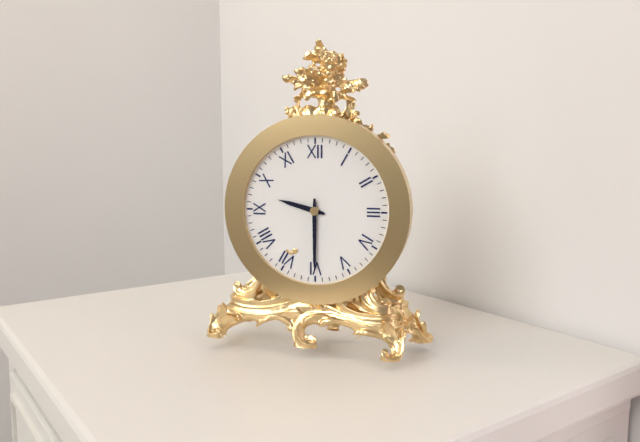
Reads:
9h30
